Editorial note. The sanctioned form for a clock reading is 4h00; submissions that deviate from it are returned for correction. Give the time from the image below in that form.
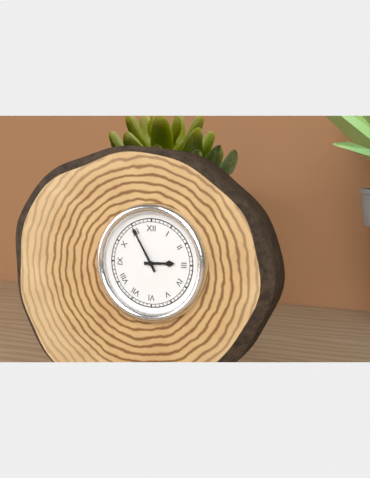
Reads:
2h55
